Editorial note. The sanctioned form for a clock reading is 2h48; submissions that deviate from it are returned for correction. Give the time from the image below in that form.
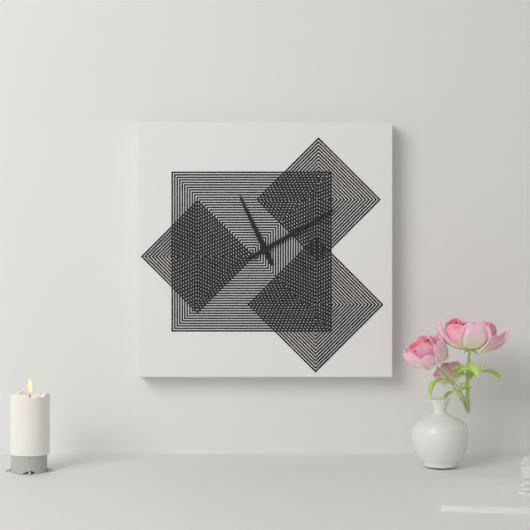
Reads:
11h10
